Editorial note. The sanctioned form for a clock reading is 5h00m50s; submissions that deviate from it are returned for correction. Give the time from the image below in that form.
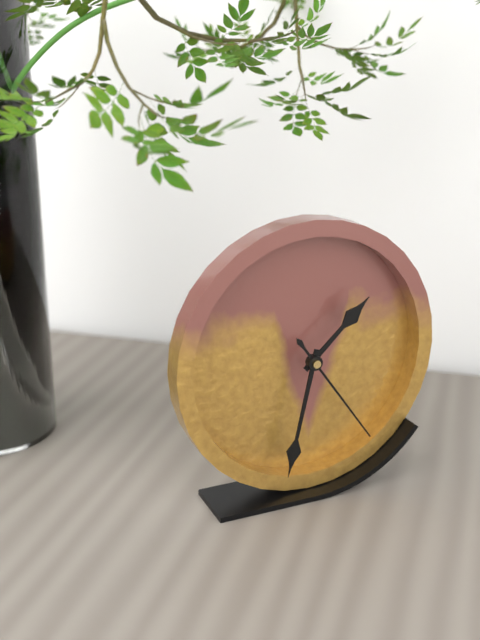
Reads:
1h32m24s
